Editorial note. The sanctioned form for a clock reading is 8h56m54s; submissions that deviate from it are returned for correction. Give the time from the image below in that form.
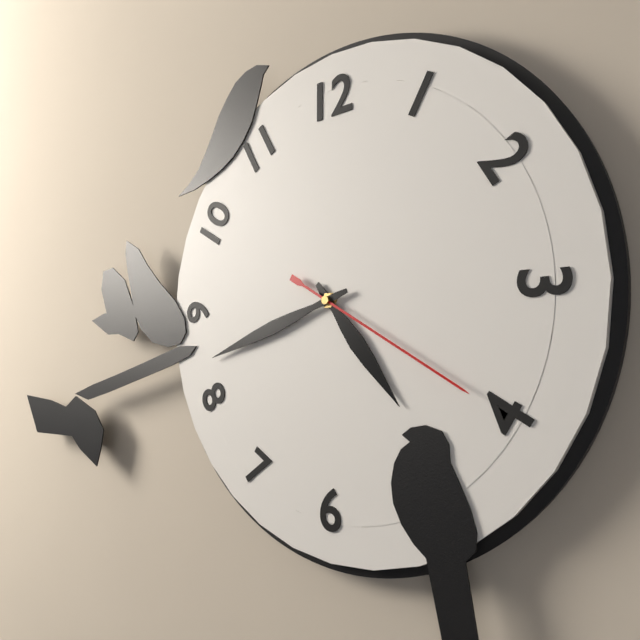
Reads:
4h42m20s
